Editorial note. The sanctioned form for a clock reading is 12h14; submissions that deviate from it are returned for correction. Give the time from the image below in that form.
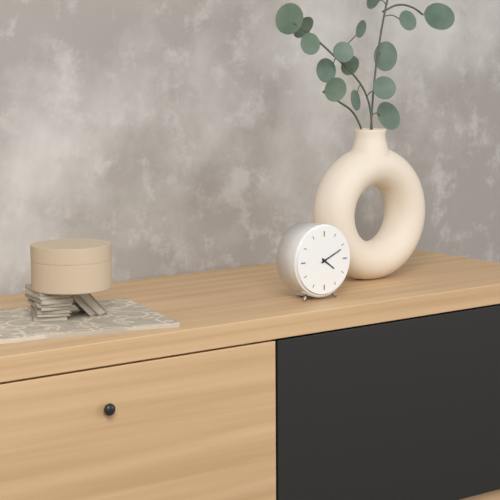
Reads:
4h11
